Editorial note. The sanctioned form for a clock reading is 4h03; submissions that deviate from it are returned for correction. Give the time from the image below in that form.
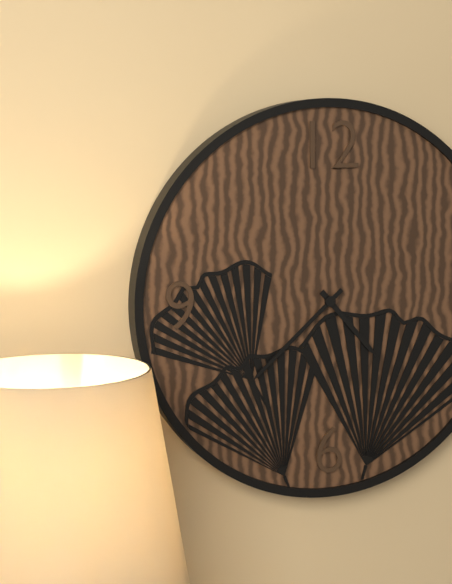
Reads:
4h38
